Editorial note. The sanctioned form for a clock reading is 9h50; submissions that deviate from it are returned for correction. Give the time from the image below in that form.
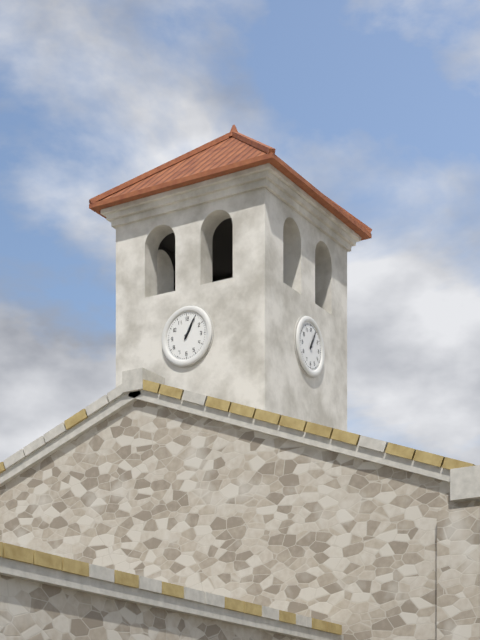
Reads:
1h05
